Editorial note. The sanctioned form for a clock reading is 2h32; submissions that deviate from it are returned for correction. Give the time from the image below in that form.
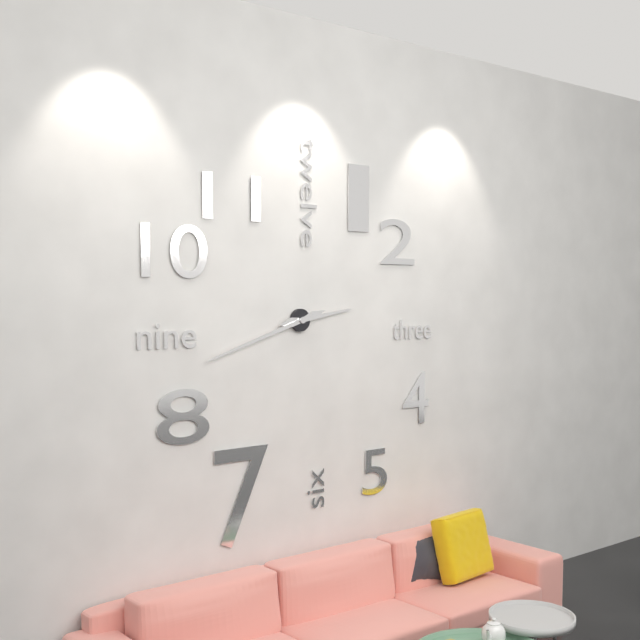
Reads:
2h42
